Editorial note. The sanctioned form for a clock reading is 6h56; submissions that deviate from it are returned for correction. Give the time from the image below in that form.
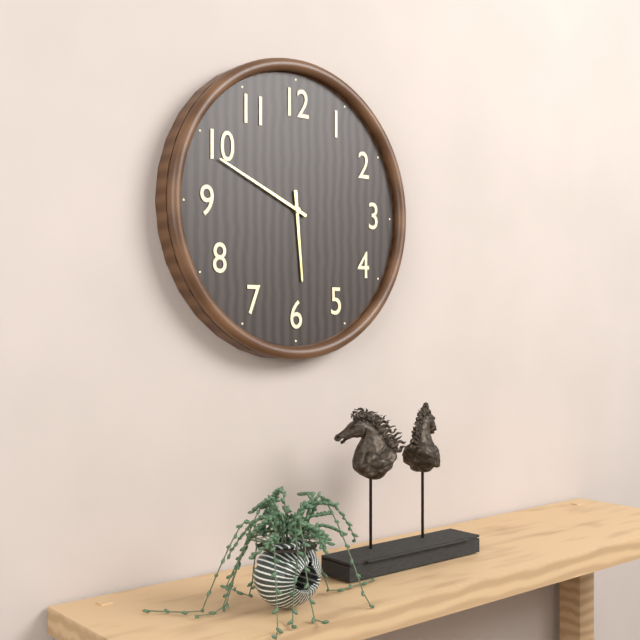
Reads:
5h49
